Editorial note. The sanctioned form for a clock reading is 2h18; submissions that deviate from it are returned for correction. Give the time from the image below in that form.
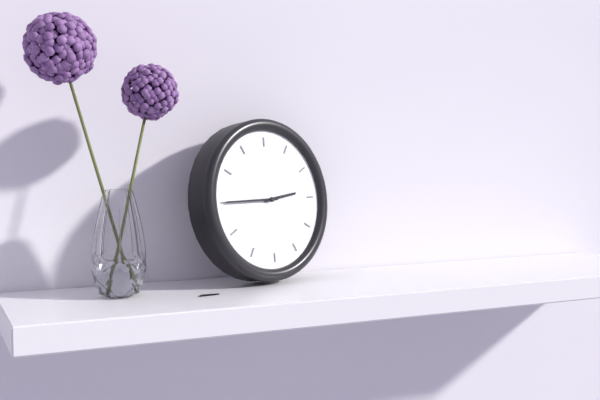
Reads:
2h45
